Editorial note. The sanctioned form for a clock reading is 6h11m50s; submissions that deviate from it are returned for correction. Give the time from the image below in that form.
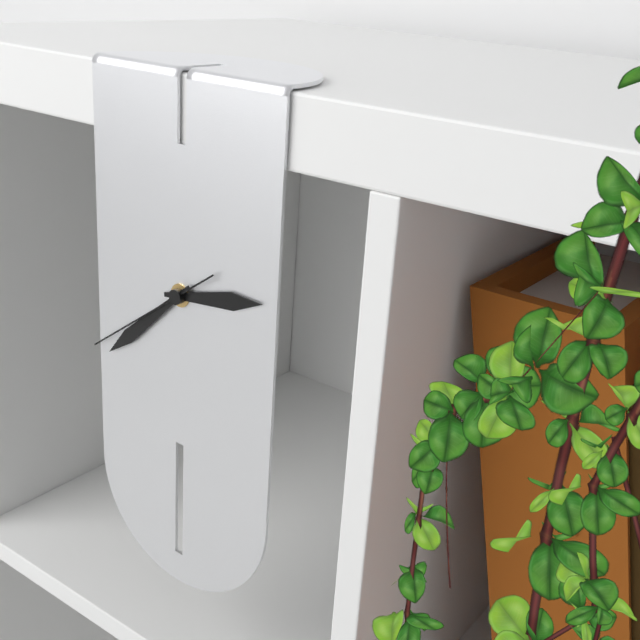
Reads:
2h38m39s
